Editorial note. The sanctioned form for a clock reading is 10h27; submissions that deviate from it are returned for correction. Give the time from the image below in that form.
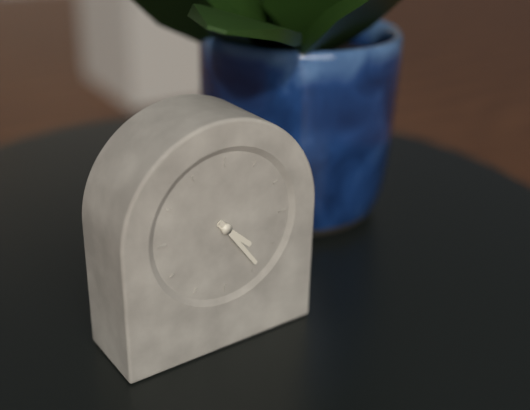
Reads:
4h24
